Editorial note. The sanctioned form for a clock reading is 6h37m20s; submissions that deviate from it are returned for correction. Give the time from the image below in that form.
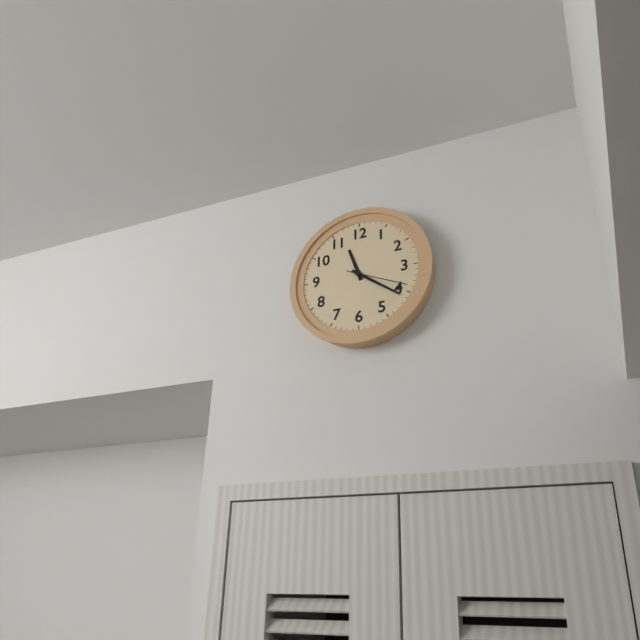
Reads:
11h21m19s
